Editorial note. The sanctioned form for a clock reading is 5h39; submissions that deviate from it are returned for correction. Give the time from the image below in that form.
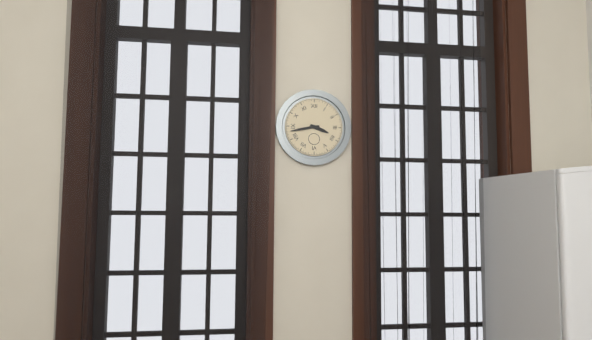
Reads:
3h43
